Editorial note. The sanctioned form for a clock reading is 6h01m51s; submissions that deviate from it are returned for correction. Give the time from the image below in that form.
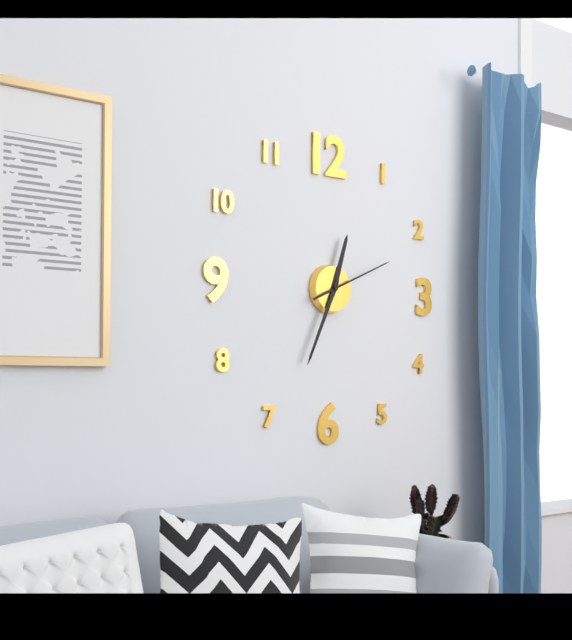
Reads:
12h34m11s
